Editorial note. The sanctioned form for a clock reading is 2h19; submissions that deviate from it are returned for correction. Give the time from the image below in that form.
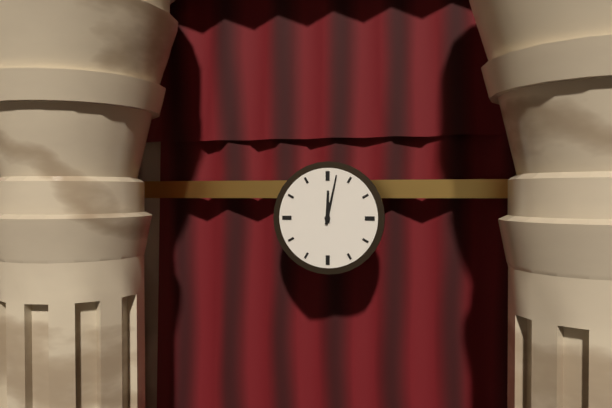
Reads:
12h02
